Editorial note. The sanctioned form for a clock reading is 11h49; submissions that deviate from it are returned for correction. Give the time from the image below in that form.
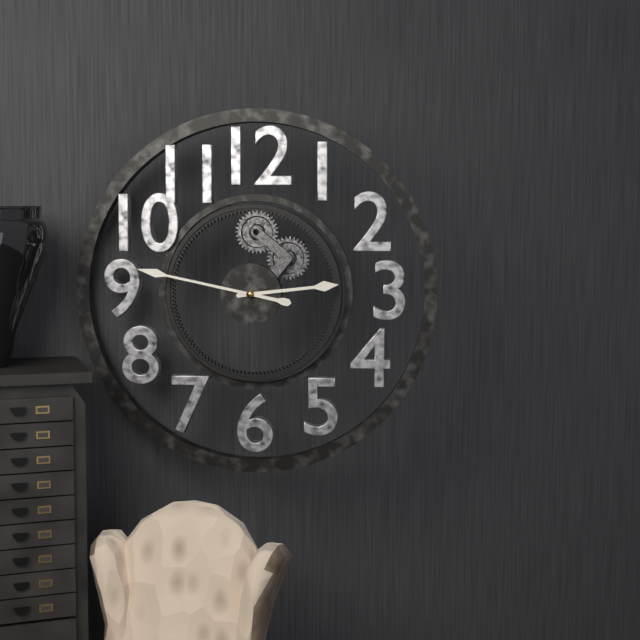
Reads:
2h47
